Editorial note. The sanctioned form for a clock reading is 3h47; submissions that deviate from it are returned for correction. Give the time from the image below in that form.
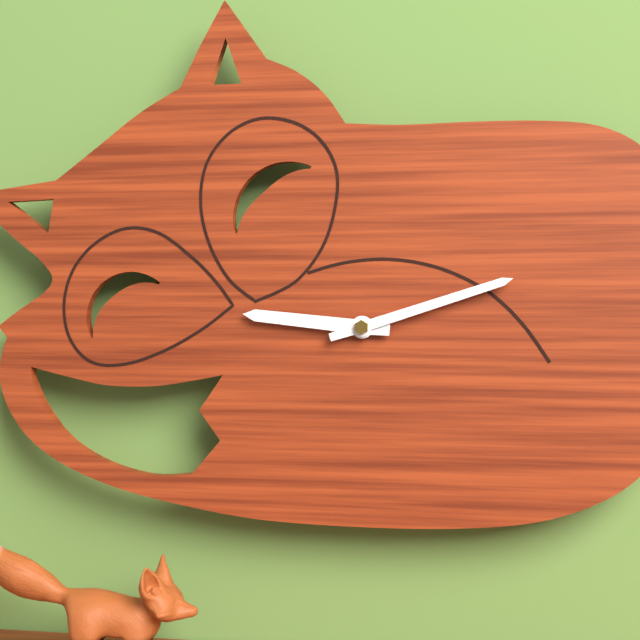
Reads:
9h12
